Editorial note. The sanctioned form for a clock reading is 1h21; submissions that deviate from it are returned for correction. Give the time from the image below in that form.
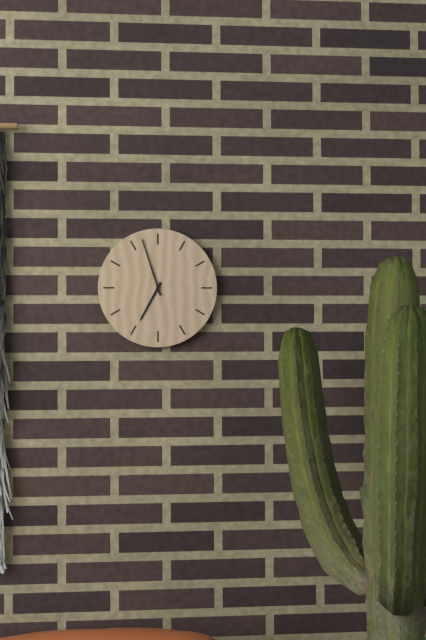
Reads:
6h57
